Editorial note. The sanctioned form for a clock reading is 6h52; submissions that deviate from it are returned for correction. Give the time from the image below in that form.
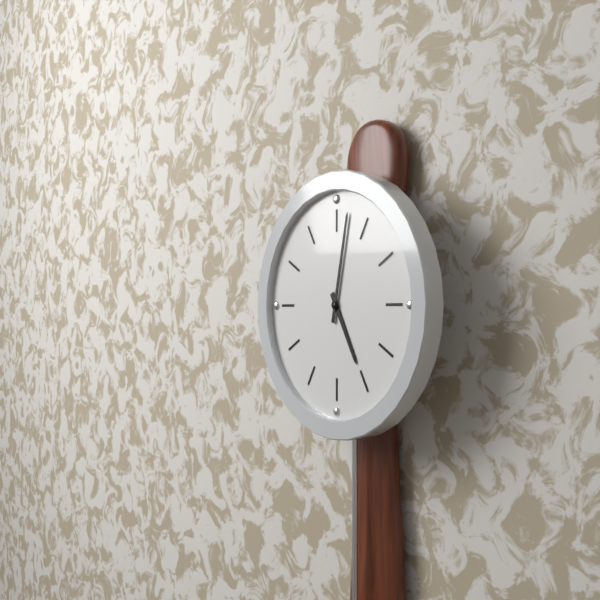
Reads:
5h02
